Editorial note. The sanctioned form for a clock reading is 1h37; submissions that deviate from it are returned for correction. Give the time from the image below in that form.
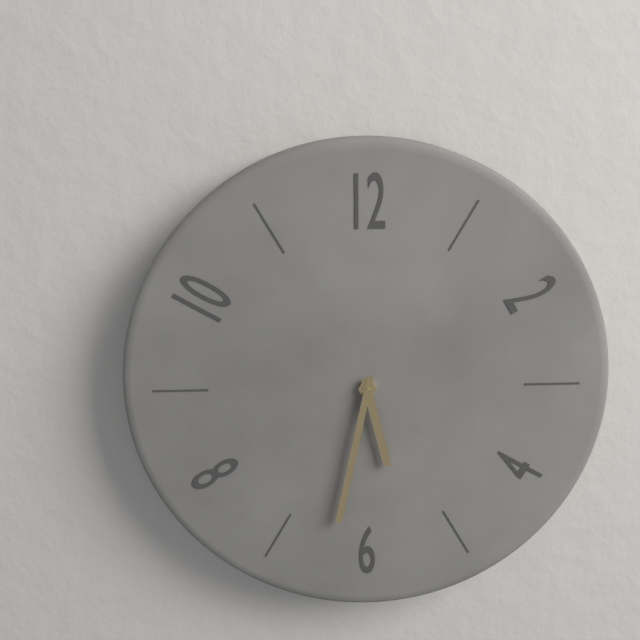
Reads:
5h32
